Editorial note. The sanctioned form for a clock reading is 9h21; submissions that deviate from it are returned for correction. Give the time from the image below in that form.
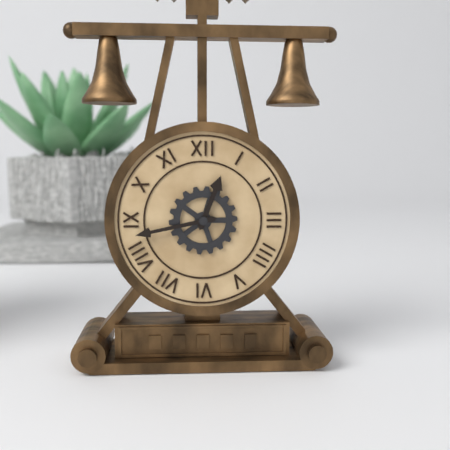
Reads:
12h43
